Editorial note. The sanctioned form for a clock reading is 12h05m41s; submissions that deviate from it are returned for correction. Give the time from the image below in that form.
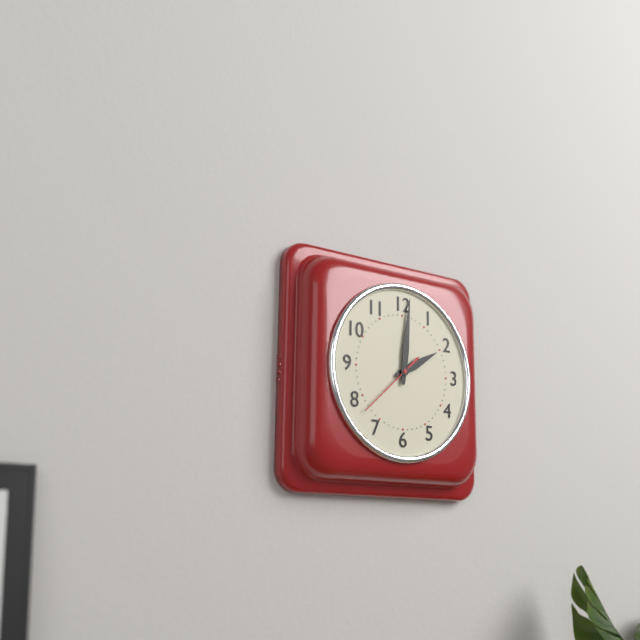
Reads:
2h01m38s
